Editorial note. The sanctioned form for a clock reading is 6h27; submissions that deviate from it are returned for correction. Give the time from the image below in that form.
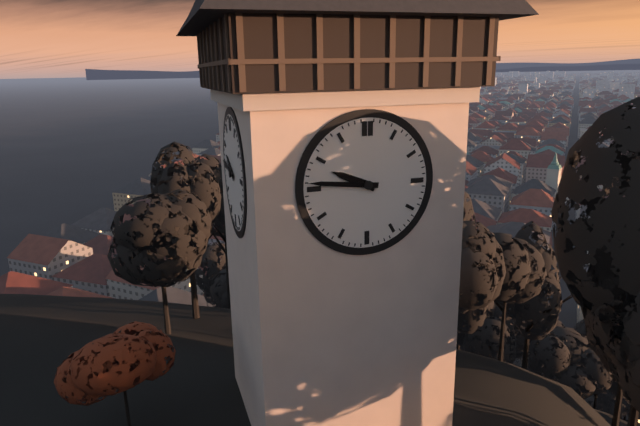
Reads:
9h46
